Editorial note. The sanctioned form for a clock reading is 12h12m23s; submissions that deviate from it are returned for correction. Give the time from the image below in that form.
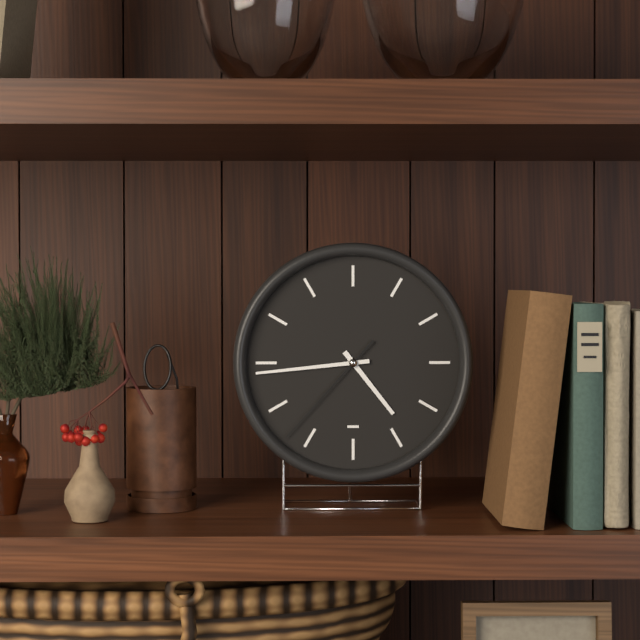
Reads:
4h44m37s
